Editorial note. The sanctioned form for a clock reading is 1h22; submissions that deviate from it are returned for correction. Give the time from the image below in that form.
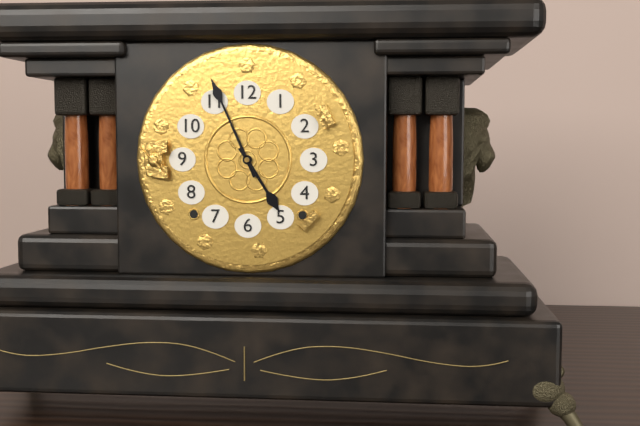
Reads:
4h56
